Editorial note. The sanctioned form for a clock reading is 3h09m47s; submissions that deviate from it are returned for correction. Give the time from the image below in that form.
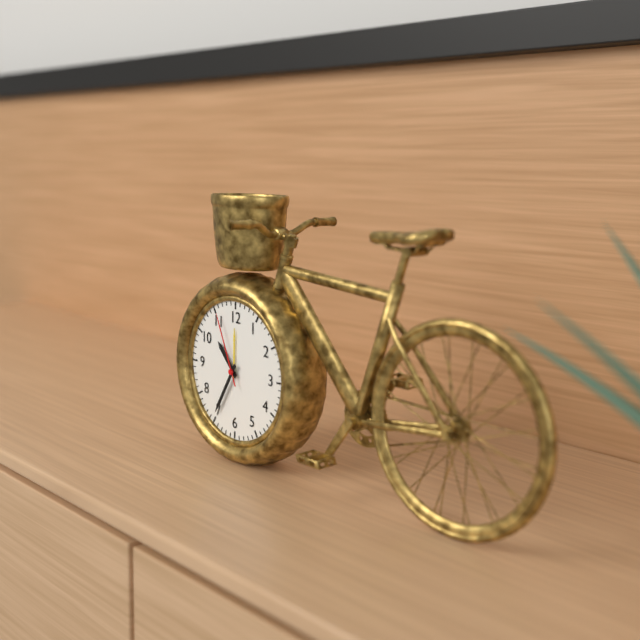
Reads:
10h35m56s
